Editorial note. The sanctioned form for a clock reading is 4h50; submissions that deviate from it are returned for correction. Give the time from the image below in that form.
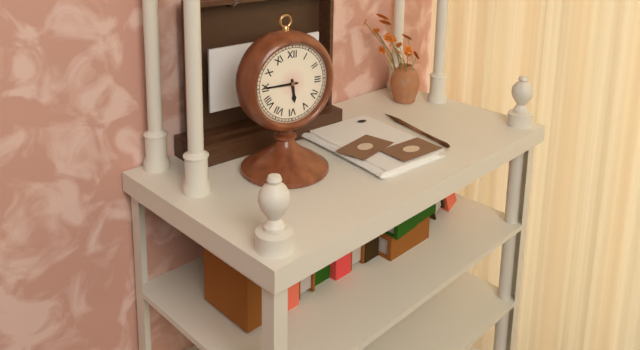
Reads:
5h45
